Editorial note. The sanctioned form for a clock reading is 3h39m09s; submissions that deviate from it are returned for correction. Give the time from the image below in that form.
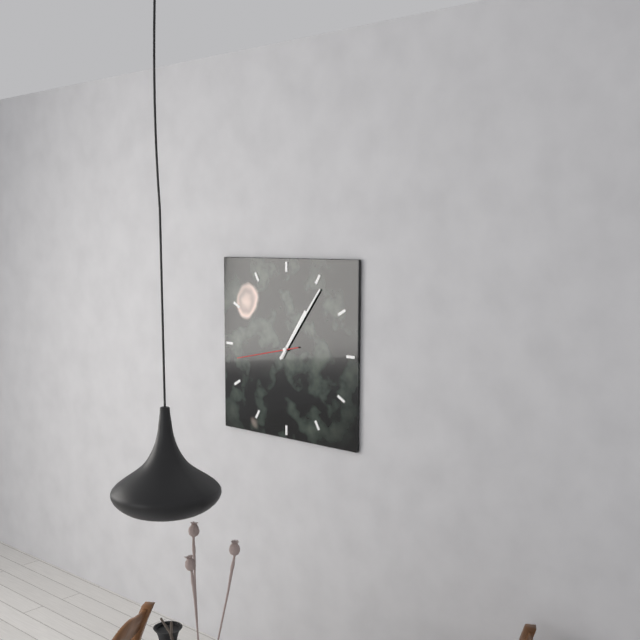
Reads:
1h06m43s
